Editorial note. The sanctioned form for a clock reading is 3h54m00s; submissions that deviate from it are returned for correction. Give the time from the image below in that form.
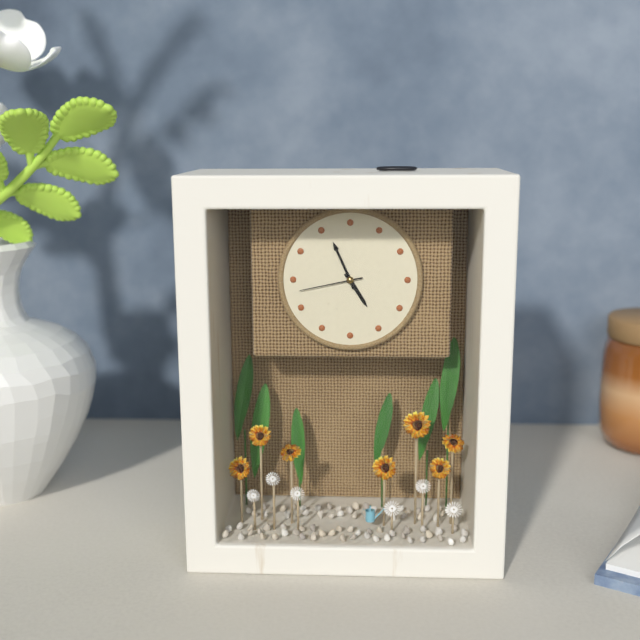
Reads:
4h56m43s
